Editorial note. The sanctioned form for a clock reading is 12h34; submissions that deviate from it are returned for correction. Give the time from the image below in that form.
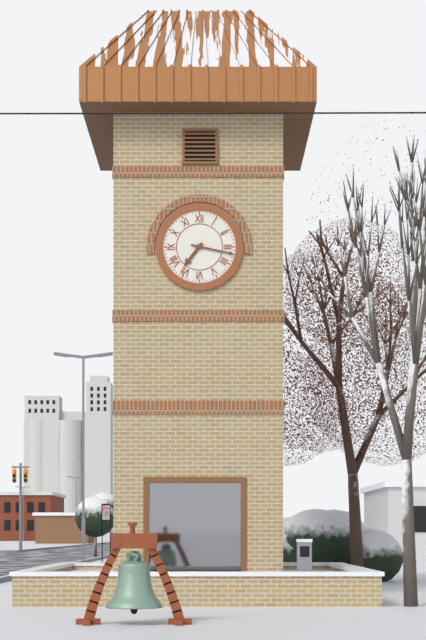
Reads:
7h17
